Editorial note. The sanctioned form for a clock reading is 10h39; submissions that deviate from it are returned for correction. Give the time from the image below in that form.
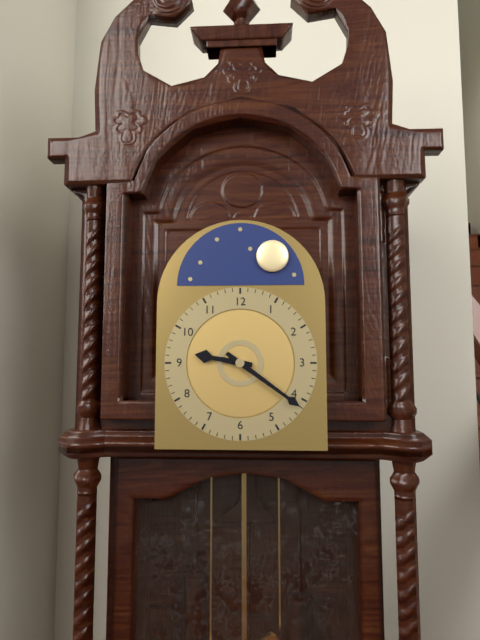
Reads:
9h21
